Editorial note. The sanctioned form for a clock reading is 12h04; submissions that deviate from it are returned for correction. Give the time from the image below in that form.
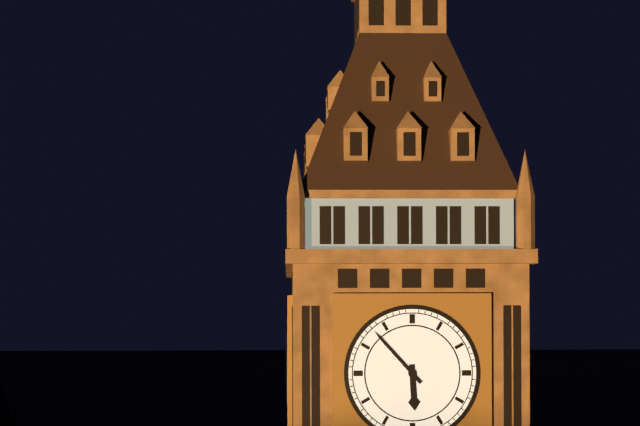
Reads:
5h53
